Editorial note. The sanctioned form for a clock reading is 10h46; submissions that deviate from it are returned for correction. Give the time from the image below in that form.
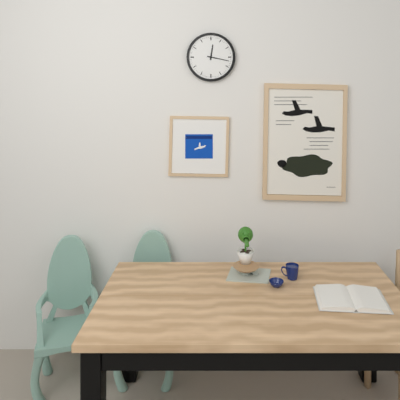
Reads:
12h17
